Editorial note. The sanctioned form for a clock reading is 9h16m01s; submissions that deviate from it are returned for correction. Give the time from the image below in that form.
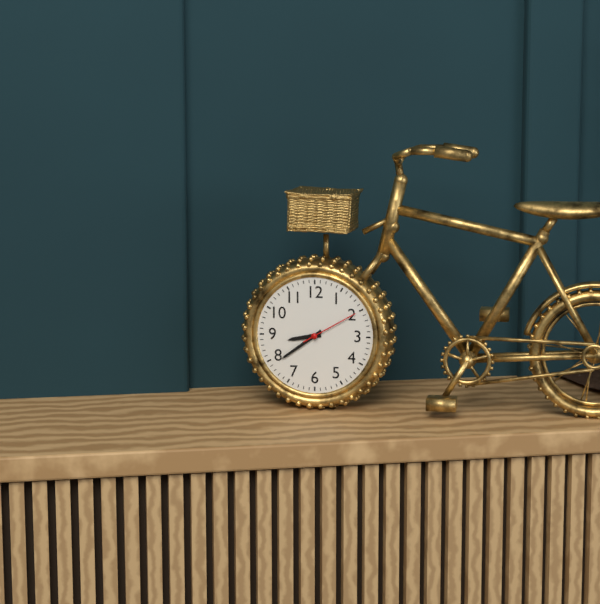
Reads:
8h39m10s
